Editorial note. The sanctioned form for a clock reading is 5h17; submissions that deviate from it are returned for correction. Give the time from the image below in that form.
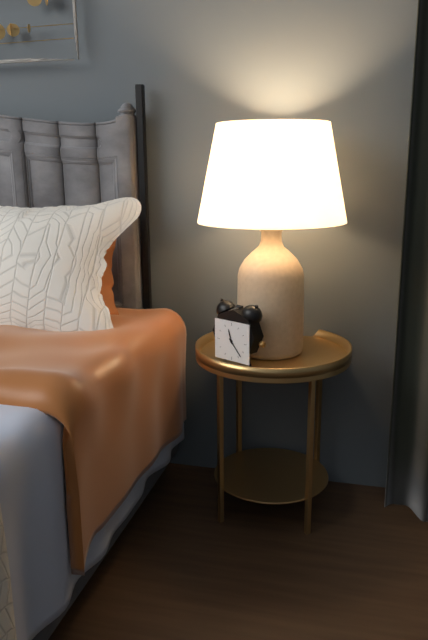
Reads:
11h23
